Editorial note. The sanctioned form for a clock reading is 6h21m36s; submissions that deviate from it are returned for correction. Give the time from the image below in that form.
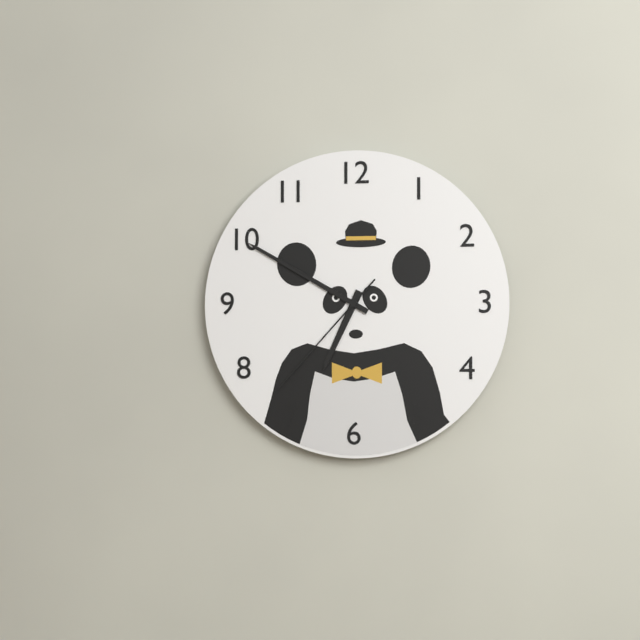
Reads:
6h50m37s
